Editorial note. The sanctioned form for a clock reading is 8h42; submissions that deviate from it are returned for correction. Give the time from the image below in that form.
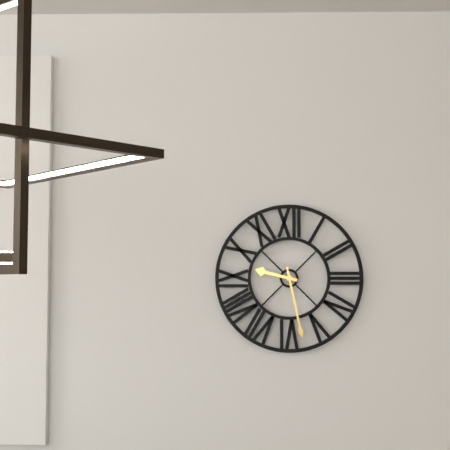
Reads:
9h28
